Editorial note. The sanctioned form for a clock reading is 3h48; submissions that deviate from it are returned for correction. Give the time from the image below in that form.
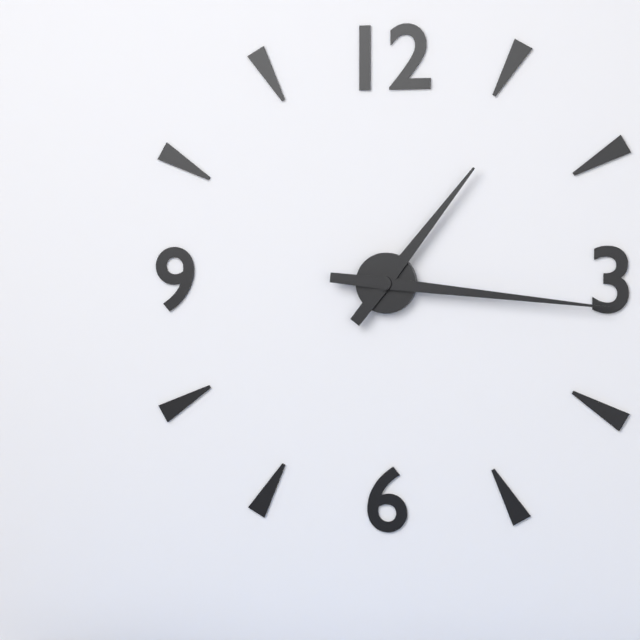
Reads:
1h16
